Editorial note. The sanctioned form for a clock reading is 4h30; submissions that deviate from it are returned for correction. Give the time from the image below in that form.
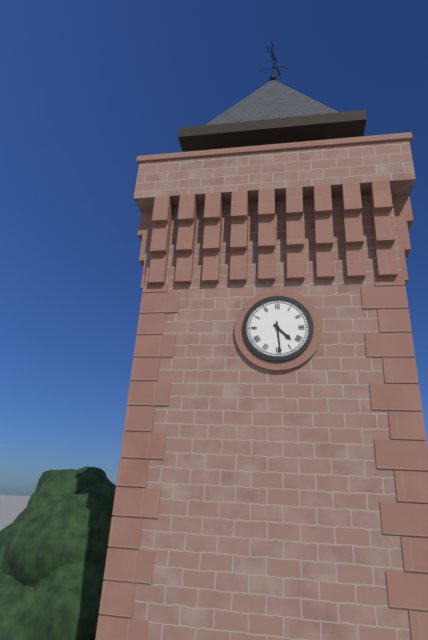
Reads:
4h29
